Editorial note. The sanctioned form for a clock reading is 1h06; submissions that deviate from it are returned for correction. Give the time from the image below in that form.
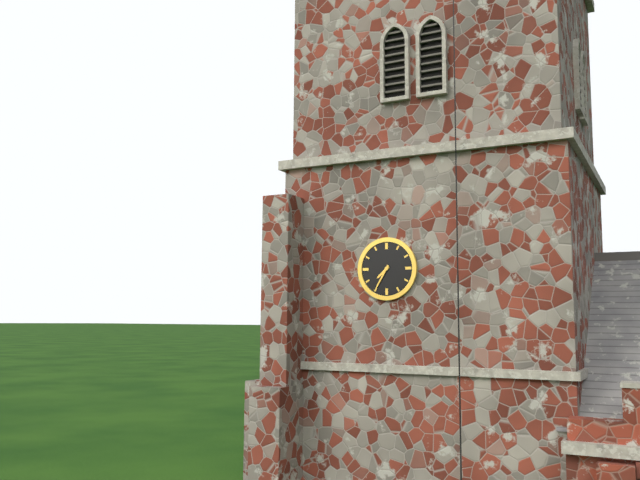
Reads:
7h35
